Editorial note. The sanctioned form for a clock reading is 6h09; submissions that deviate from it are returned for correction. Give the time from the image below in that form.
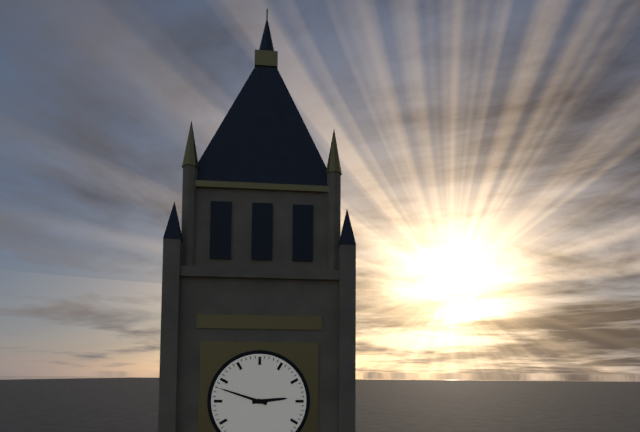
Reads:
2h48
